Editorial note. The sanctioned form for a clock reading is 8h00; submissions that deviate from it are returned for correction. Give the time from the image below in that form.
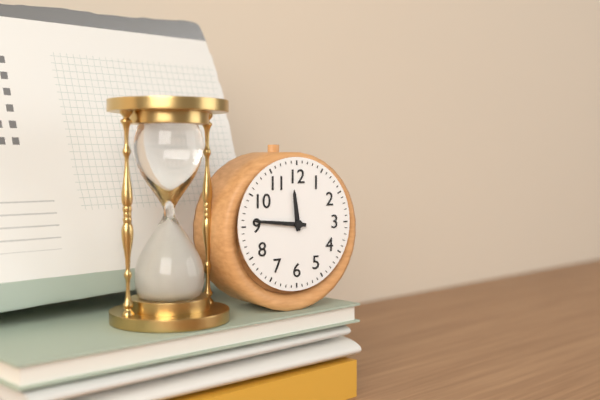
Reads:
11h46
